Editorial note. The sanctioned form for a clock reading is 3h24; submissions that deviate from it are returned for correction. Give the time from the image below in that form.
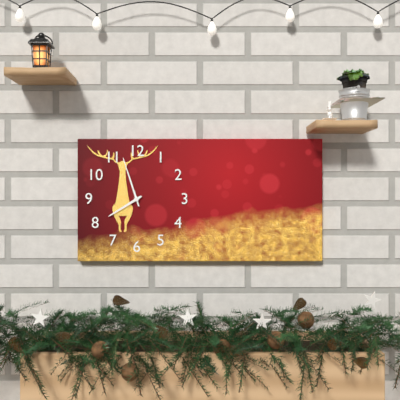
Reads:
7h57
